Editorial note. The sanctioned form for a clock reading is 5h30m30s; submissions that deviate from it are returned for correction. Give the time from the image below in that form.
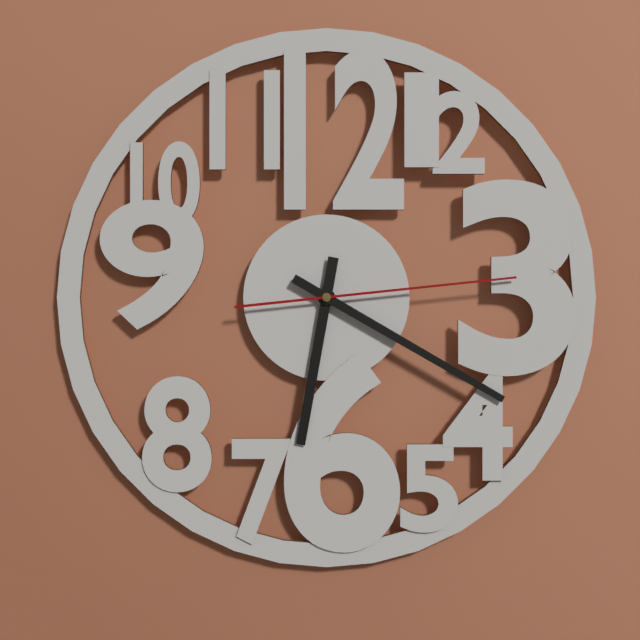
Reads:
6h20m14s
